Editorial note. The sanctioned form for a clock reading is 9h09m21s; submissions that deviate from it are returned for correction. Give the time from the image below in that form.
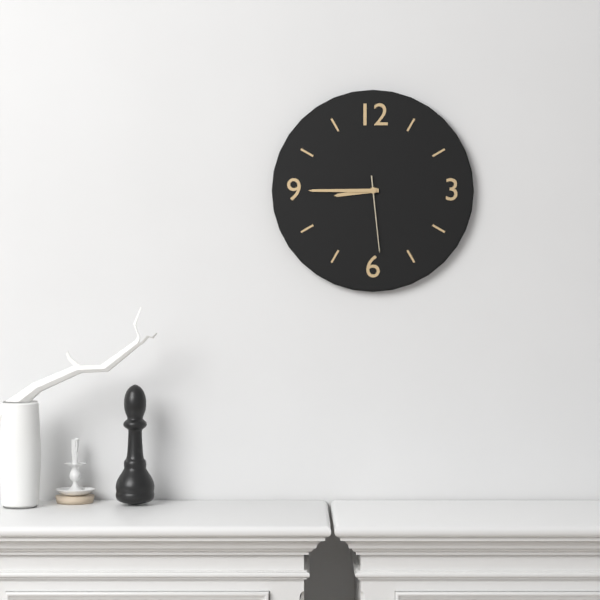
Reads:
8h45m29s
